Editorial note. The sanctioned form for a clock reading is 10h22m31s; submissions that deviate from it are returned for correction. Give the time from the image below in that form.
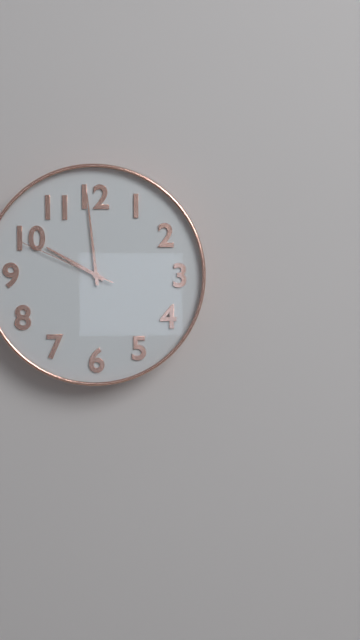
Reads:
9h59m49s
